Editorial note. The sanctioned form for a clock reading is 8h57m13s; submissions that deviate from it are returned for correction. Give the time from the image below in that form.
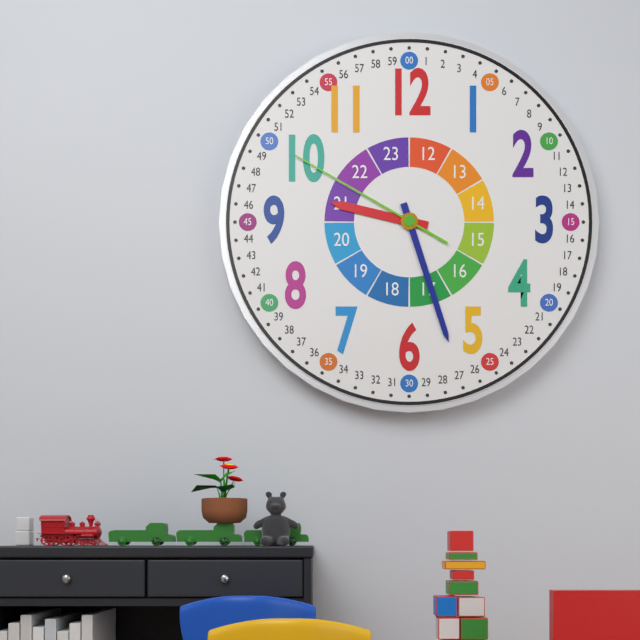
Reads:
9h27m50s
